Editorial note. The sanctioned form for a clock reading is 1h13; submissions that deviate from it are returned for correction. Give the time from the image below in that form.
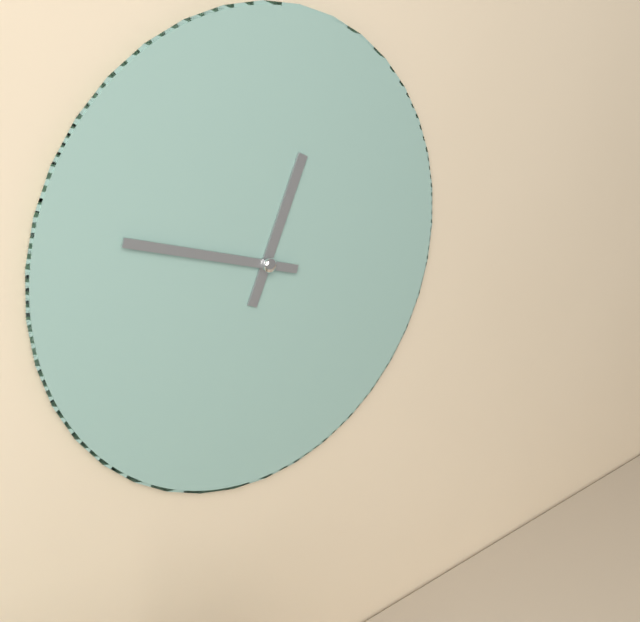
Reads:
12h48
